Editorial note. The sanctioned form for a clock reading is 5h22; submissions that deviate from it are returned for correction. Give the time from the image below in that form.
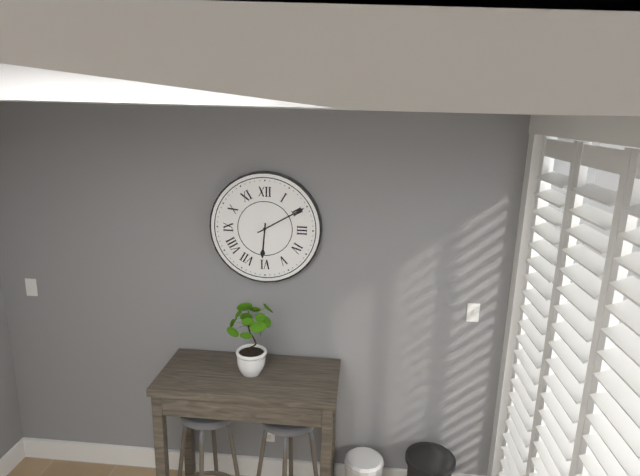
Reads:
6h10
